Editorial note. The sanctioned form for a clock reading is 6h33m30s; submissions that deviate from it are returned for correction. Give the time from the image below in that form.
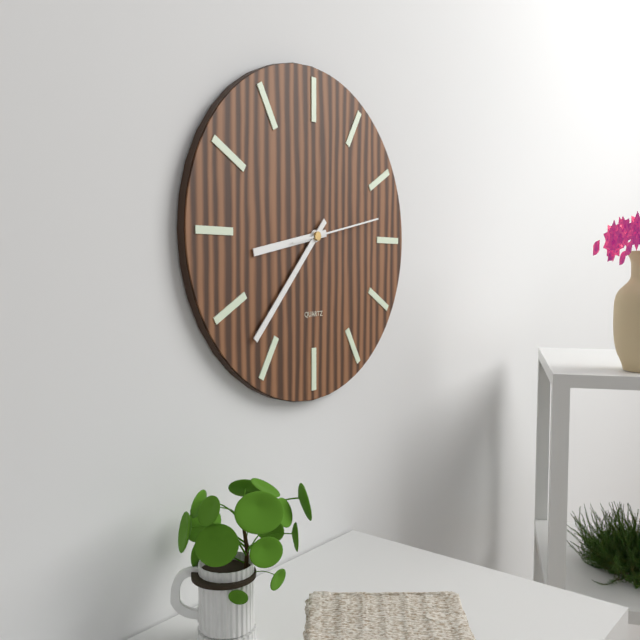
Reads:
8h37m13s
